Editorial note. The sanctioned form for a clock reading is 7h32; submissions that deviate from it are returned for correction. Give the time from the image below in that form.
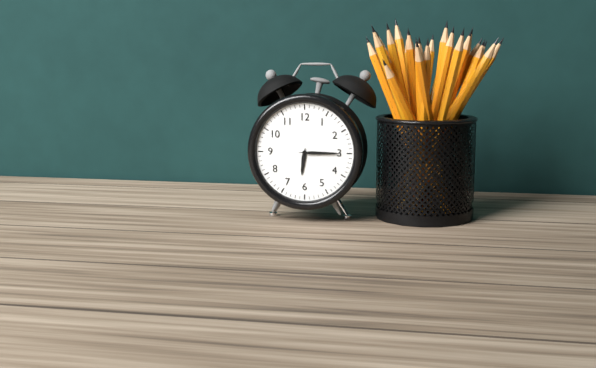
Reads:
6h15
